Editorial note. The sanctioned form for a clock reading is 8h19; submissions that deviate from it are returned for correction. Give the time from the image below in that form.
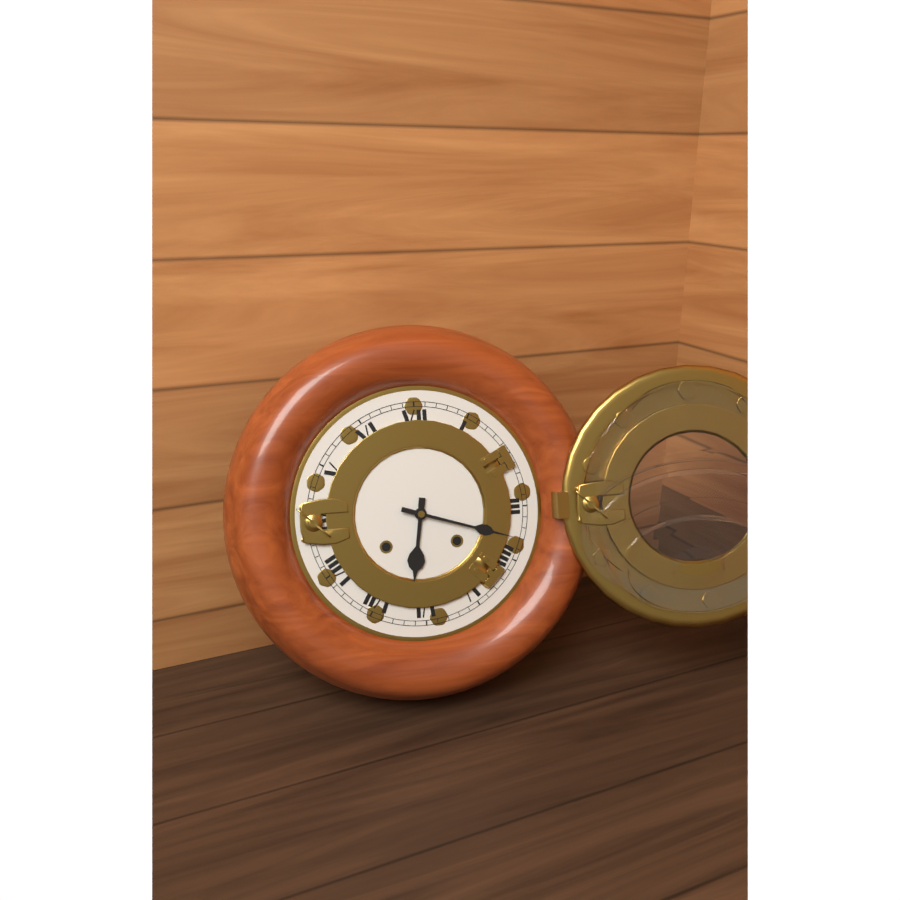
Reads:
6h18
